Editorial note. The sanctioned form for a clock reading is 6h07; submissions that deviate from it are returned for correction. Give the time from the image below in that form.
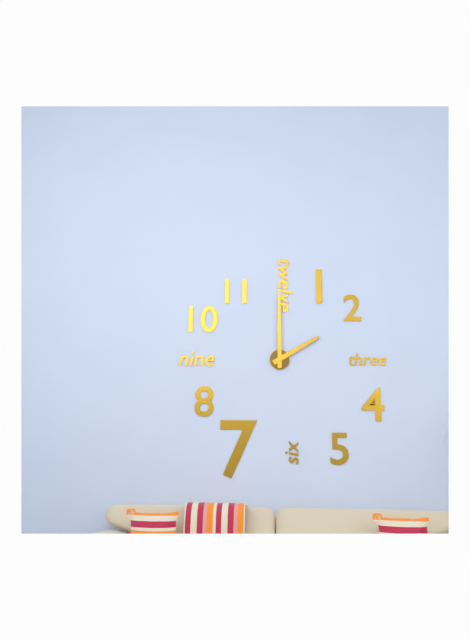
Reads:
2h00
